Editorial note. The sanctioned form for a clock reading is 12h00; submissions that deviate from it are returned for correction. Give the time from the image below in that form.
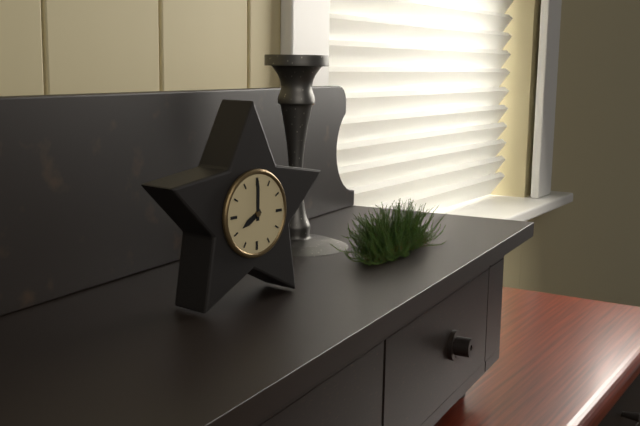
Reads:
8h00
